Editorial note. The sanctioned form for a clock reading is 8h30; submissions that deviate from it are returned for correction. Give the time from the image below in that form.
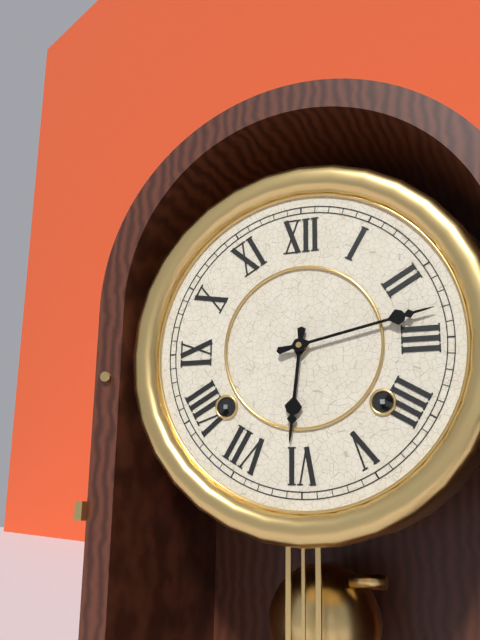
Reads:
6h13
